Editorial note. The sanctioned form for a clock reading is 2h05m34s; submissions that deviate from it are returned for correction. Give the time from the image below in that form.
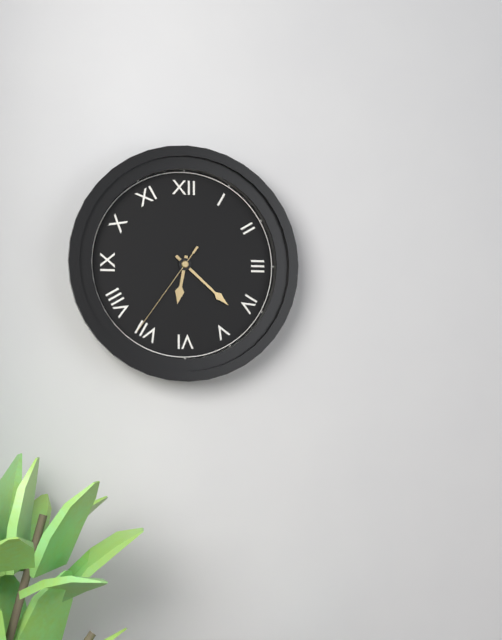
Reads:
6h22m36s
